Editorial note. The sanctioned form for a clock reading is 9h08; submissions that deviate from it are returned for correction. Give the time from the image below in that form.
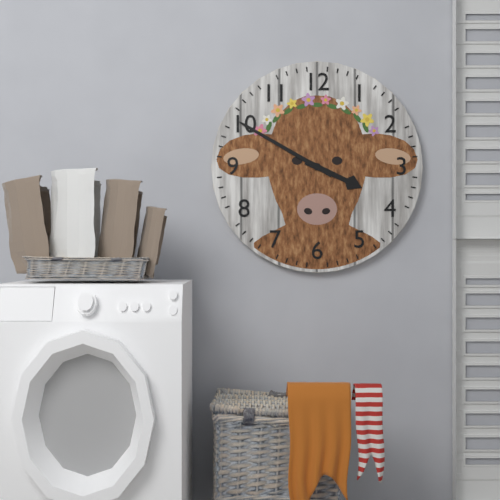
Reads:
3h50
